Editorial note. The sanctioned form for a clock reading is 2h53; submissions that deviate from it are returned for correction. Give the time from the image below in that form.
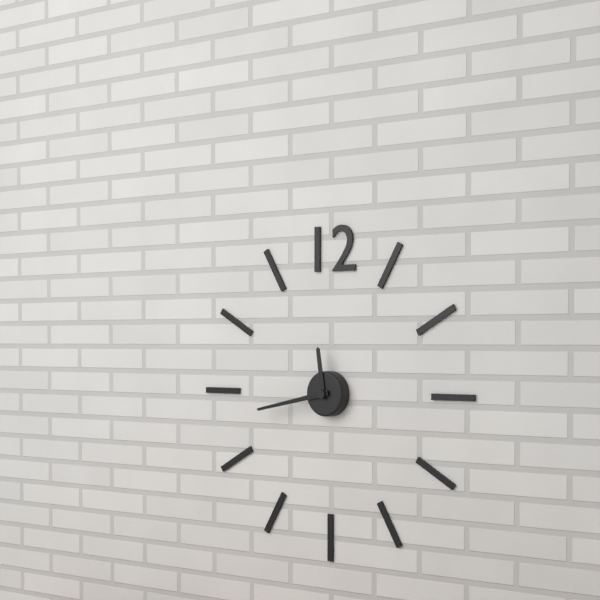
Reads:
11h43
